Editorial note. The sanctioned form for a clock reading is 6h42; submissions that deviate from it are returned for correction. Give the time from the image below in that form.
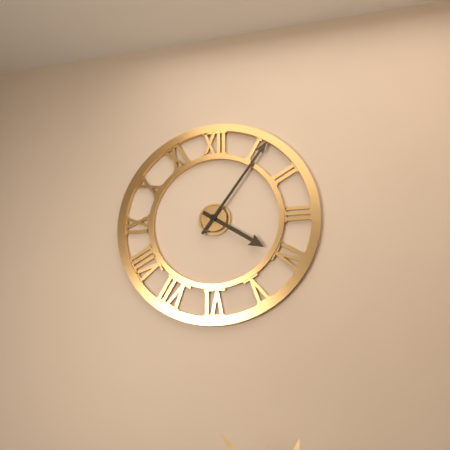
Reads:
4h06
